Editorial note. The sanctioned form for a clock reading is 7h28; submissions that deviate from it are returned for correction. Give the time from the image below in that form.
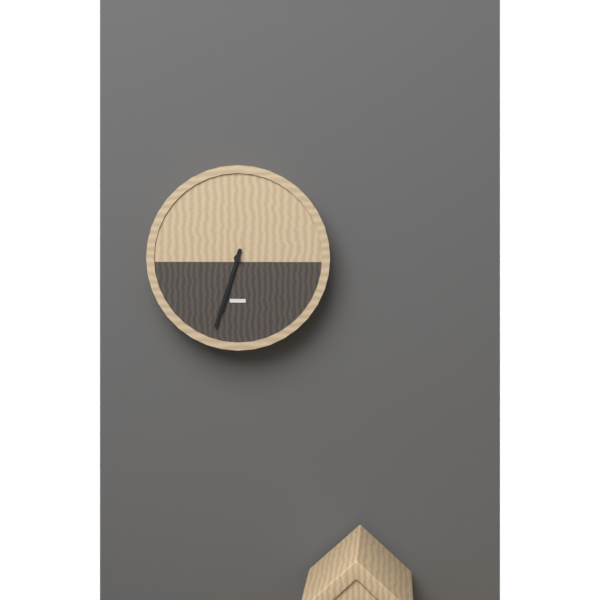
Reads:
6h33
